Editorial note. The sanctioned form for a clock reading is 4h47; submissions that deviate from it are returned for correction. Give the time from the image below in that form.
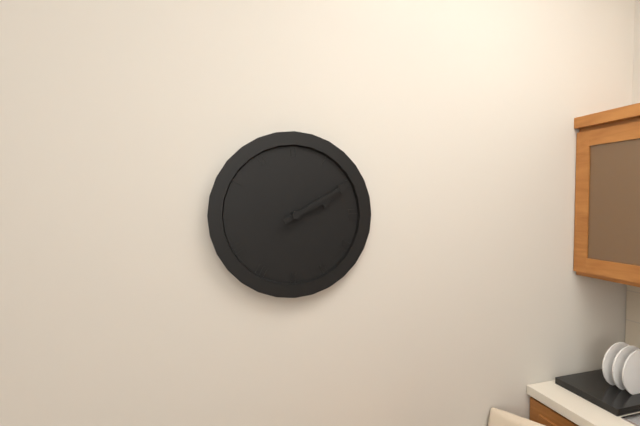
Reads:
2h10
